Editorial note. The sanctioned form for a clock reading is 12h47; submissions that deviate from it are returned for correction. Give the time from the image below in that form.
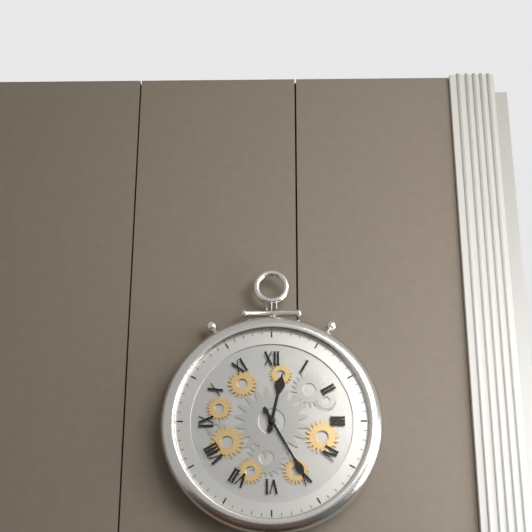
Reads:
12h25
